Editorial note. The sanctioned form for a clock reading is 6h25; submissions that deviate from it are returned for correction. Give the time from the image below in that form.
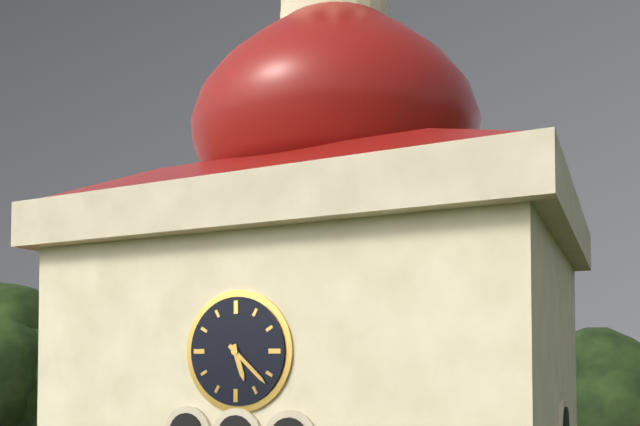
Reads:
5h22
